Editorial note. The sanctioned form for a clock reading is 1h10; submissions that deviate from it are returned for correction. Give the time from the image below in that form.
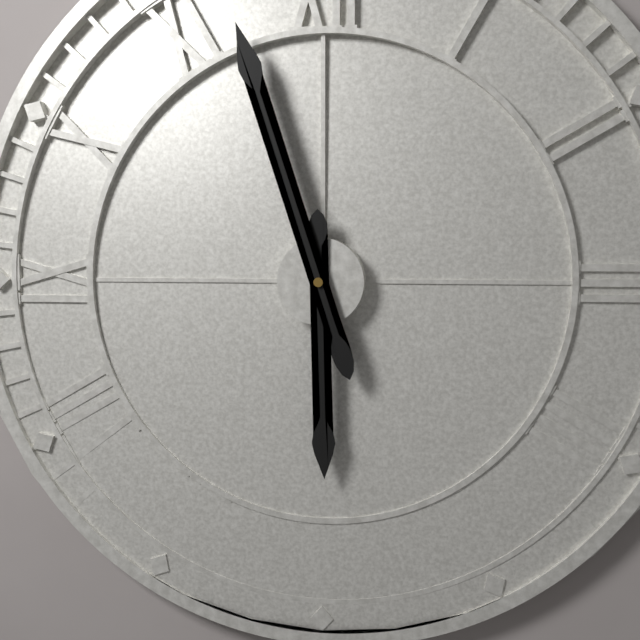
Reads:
5h57
